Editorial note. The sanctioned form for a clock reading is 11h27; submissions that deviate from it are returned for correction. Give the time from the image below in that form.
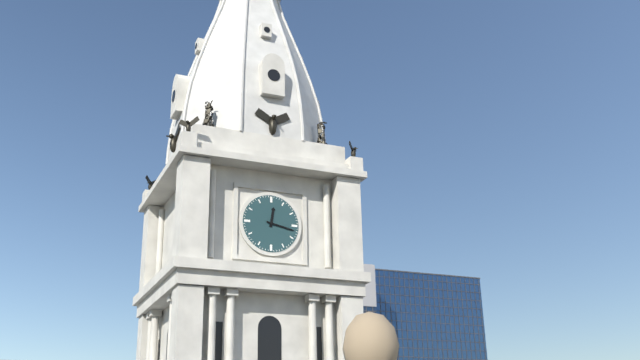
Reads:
12h17
